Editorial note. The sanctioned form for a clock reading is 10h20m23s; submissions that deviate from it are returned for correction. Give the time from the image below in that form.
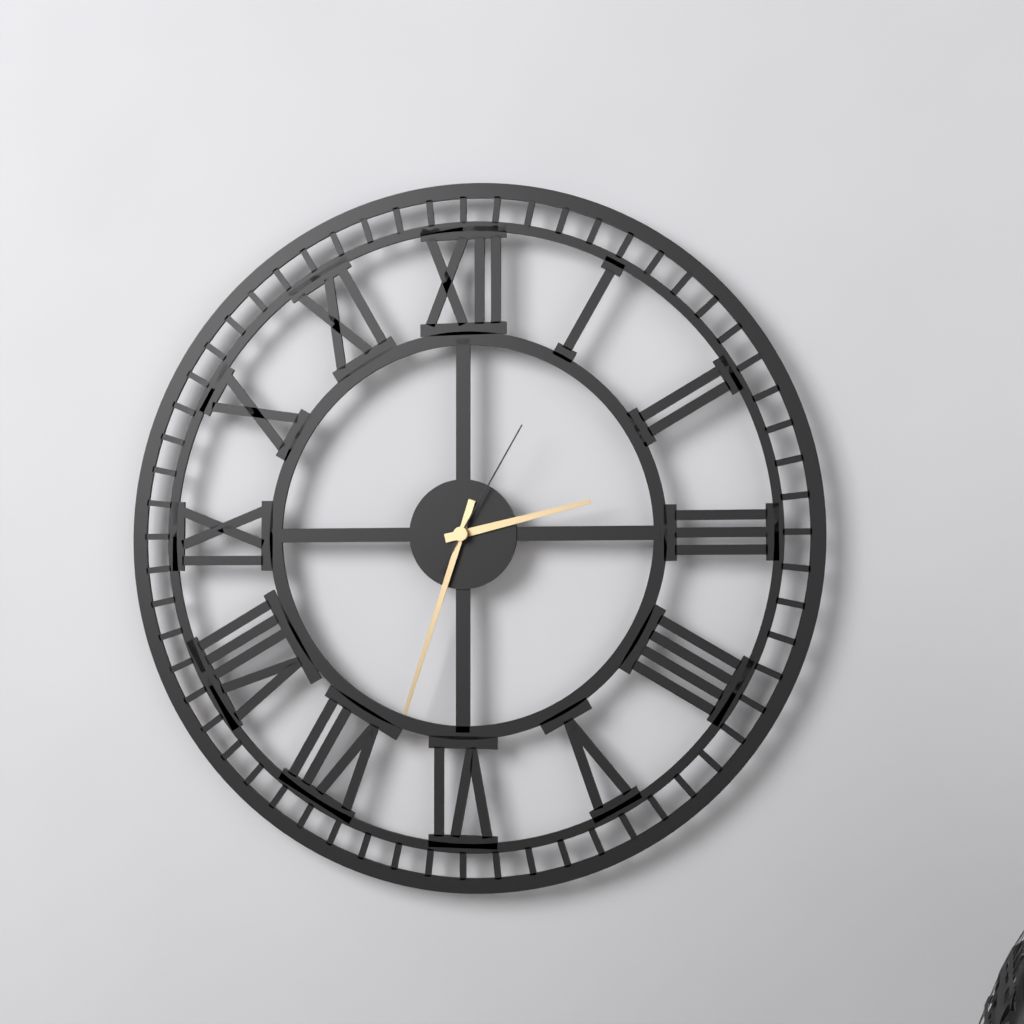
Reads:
2h33m05s
